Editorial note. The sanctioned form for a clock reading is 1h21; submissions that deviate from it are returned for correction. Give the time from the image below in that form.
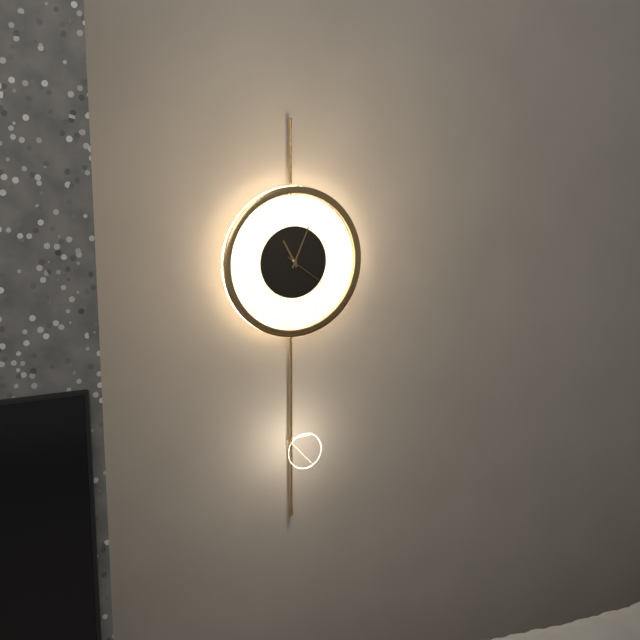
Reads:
11h04
